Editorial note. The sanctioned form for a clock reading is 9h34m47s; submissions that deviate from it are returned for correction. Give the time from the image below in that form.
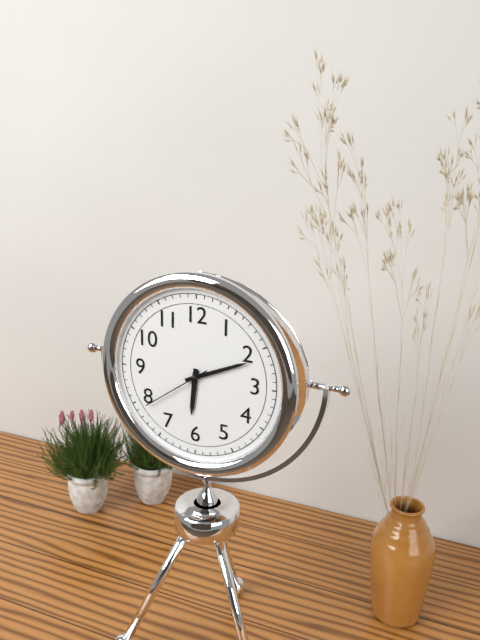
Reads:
6h11m39s
